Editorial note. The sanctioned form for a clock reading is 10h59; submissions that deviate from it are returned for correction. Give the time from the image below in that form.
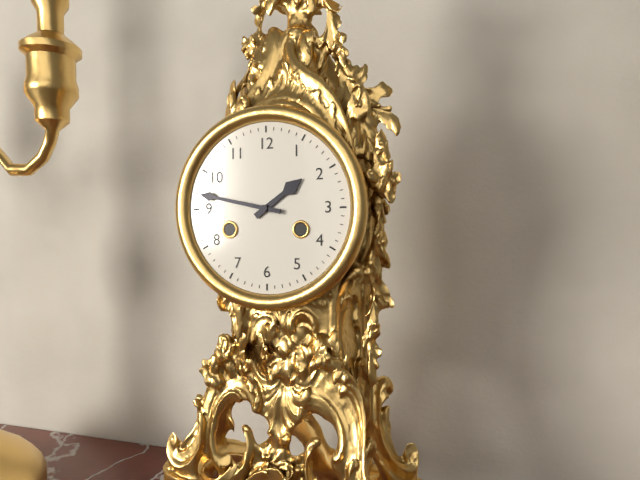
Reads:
1h47
